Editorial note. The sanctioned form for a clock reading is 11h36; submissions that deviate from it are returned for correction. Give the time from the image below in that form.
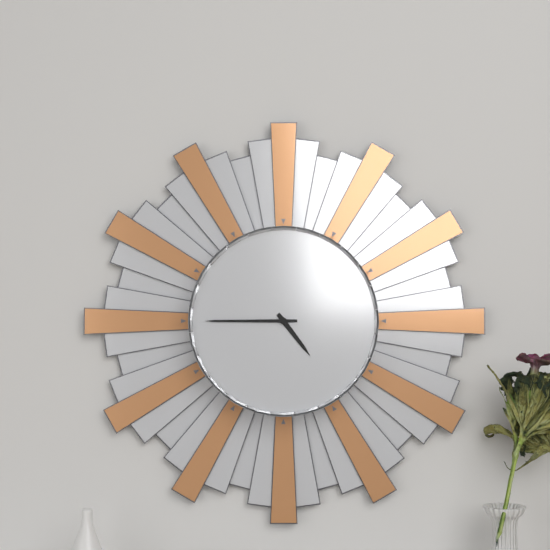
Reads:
4h45
